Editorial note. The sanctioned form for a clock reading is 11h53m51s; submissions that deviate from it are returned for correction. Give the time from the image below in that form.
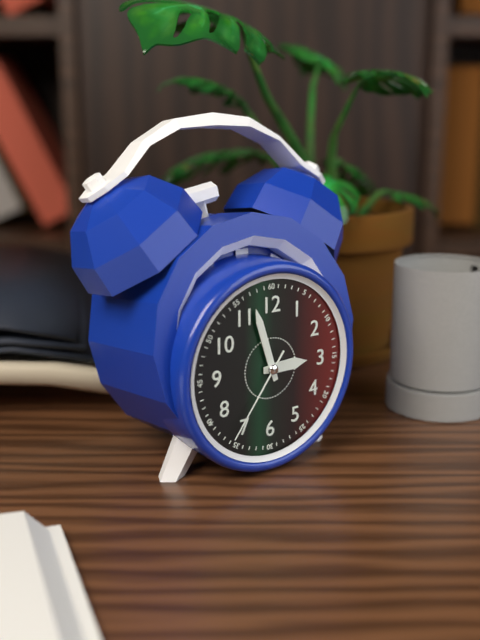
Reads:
2h57m36s
